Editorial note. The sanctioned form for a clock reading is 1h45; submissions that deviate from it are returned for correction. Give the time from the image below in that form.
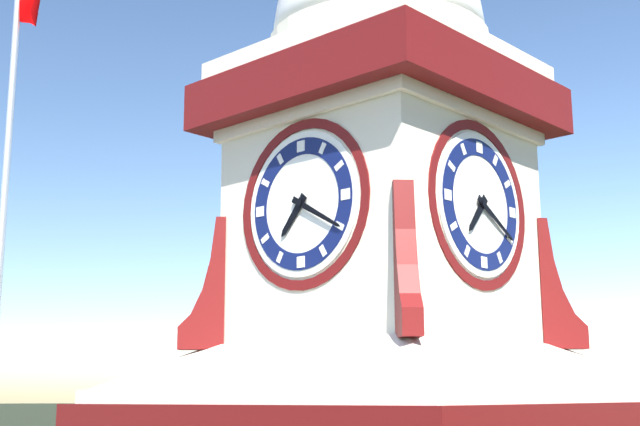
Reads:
7h20
